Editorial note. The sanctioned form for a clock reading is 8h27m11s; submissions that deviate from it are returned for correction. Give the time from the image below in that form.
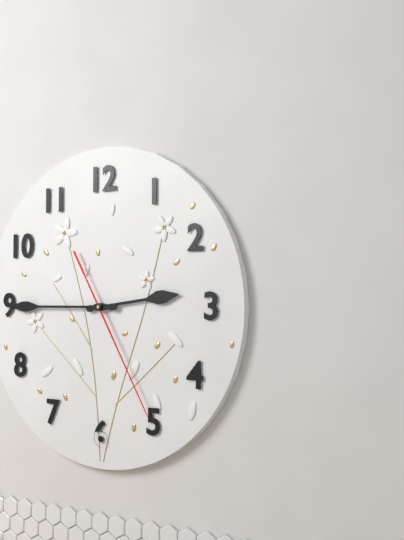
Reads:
2h45m25s
